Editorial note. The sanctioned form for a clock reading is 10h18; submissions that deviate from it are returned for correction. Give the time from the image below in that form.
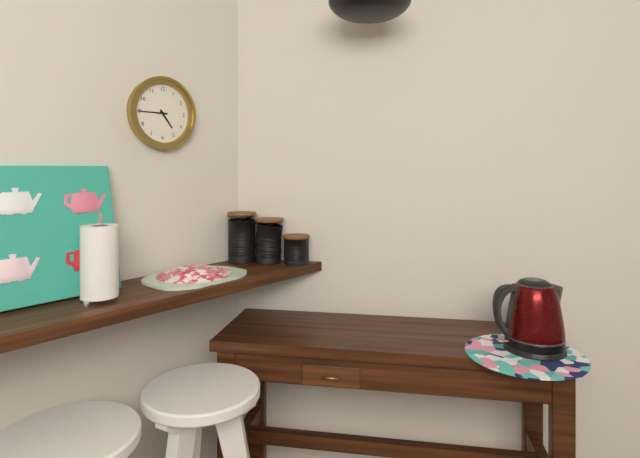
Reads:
4h45
